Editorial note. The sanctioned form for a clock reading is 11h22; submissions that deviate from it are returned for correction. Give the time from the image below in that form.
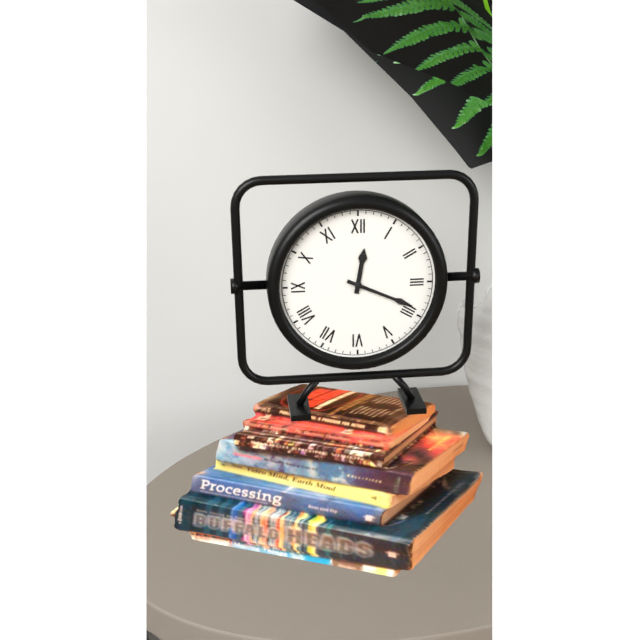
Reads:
12h19
